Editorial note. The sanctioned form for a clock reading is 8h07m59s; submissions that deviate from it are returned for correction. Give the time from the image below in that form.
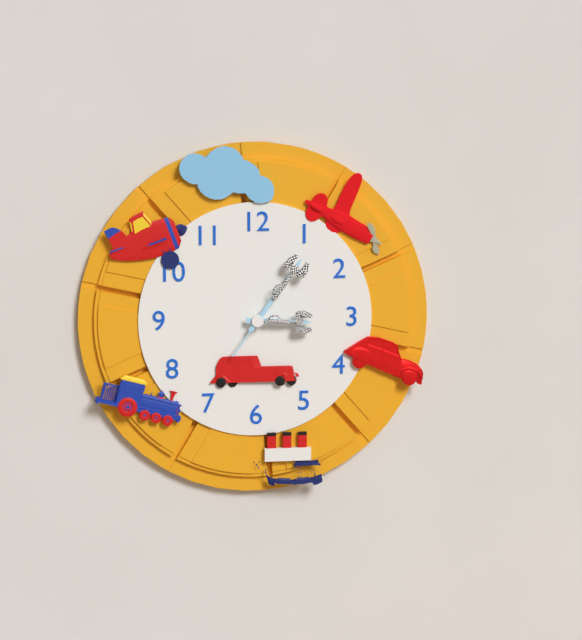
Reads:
3h06m36s
